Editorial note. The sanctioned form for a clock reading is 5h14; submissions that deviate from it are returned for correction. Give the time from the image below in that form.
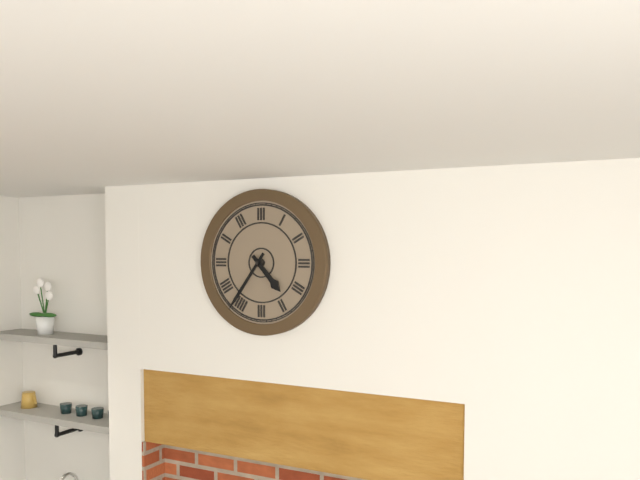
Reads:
4h36
